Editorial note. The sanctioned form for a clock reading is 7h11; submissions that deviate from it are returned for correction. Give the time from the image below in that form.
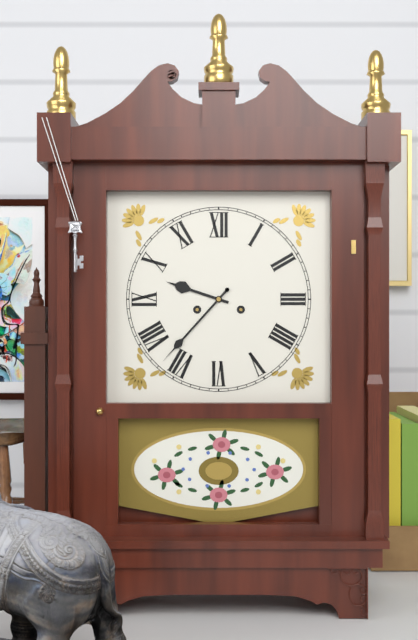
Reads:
9h37
